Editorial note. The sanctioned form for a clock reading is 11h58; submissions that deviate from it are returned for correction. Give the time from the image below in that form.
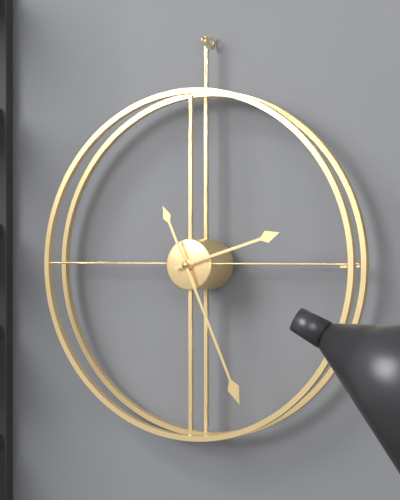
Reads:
2h26
